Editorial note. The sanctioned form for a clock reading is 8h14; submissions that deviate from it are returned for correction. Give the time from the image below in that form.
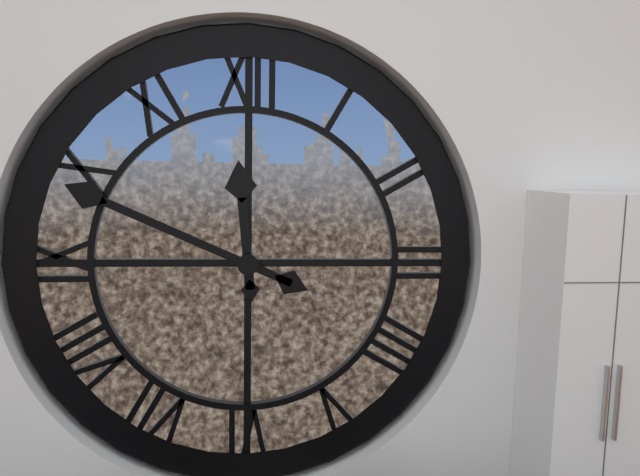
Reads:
11h49
